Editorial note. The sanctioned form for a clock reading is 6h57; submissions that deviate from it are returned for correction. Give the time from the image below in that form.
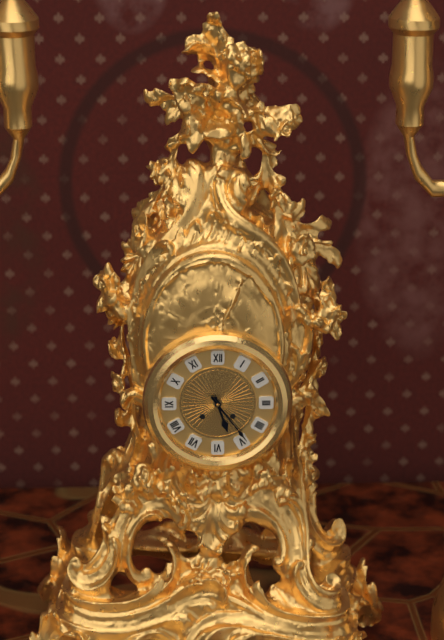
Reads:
5h24
